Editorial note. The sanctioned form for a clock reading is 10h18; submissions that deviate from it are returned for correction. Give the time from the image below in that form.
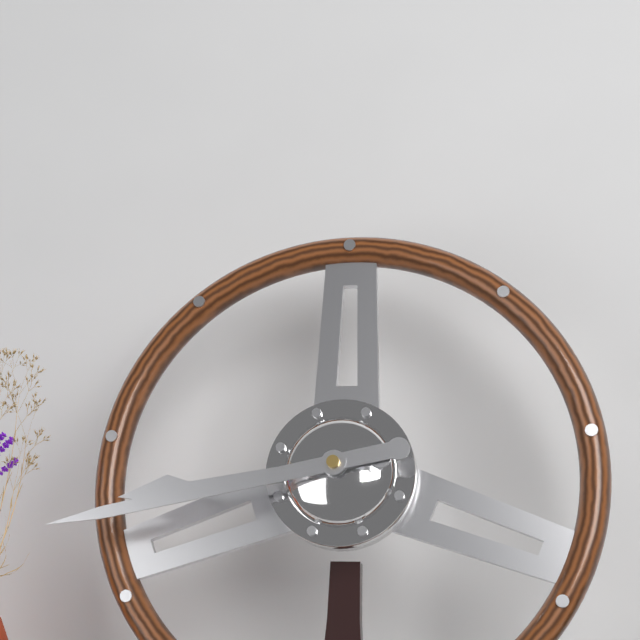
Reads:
8h43
